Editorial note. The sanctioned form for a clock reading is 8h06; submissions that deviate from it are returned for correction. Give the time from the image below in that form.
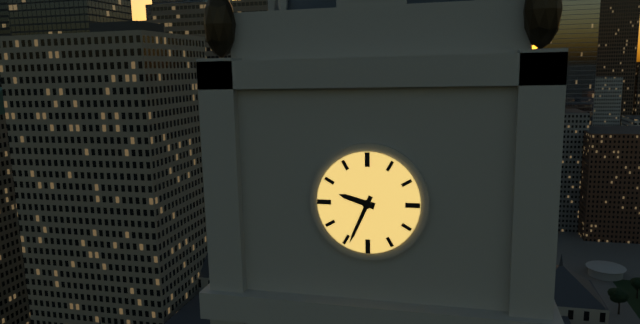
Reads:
9h34
